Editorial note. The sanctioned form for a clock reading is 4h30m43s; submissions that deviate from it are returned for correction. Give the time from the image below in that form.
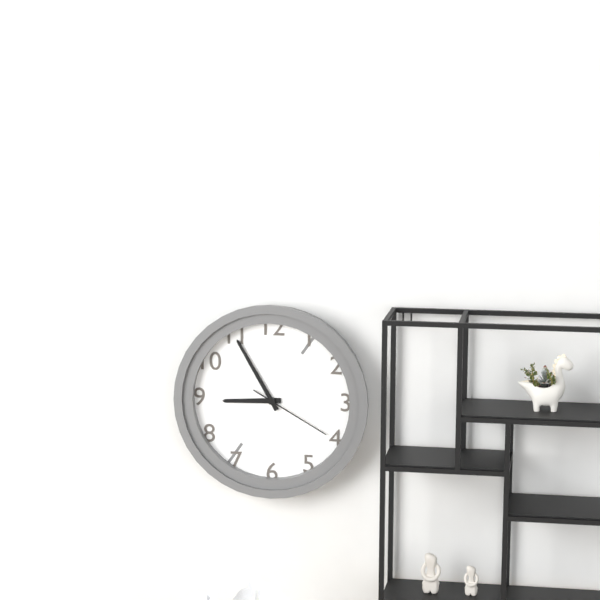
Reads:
8h55m20s
